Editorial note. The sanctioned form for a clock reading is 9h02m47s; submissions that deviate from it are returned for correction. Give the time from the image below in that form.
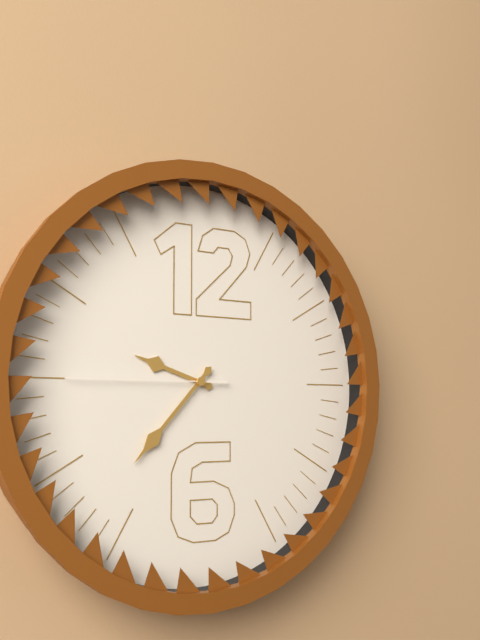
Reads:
9h37m45s
